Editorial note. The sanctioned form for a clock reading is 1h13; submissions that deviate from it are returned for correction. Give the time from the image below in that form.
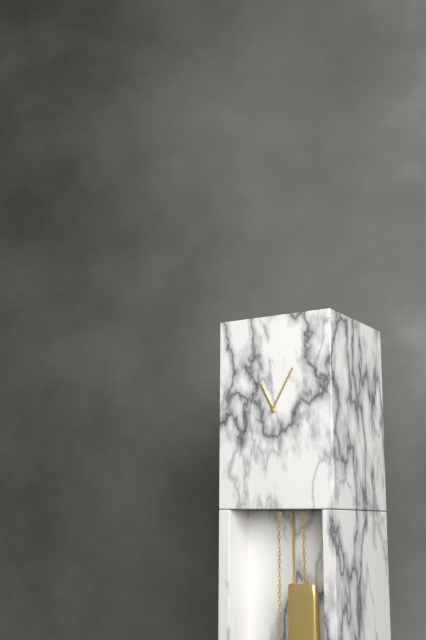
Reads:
11h05
